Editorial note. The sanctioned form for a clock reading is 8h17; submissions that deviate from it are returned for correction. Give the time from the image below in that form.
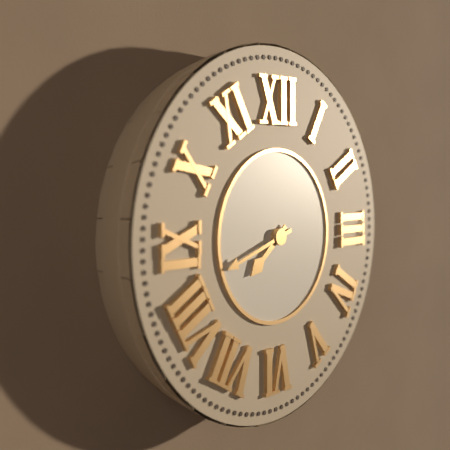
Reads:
7h42
